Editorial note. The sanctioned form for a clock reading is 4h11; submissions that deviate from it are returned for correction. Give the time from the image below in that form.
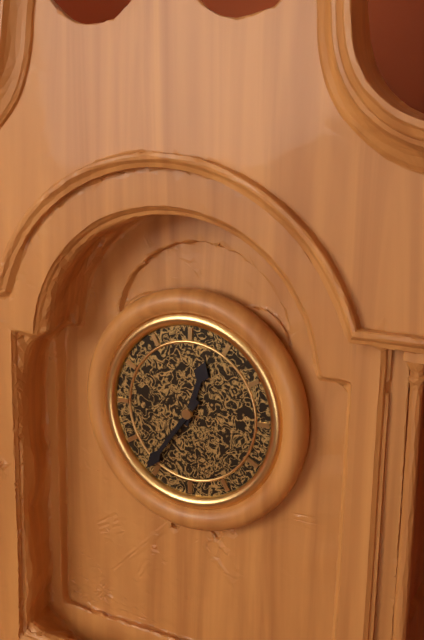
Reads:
12h36
